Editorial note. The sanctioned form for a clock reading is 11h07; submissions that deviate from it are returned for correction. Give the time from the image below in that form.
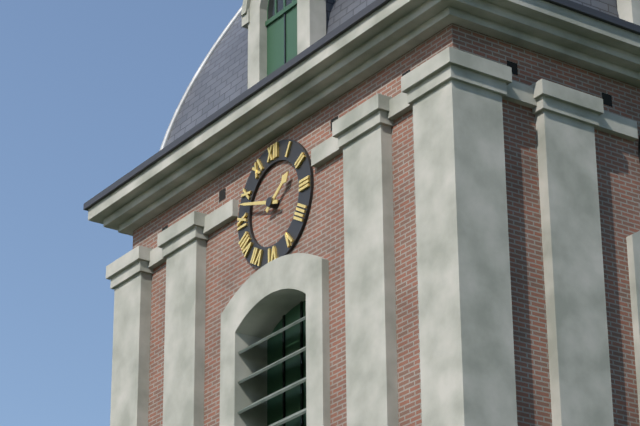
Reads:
1h48
